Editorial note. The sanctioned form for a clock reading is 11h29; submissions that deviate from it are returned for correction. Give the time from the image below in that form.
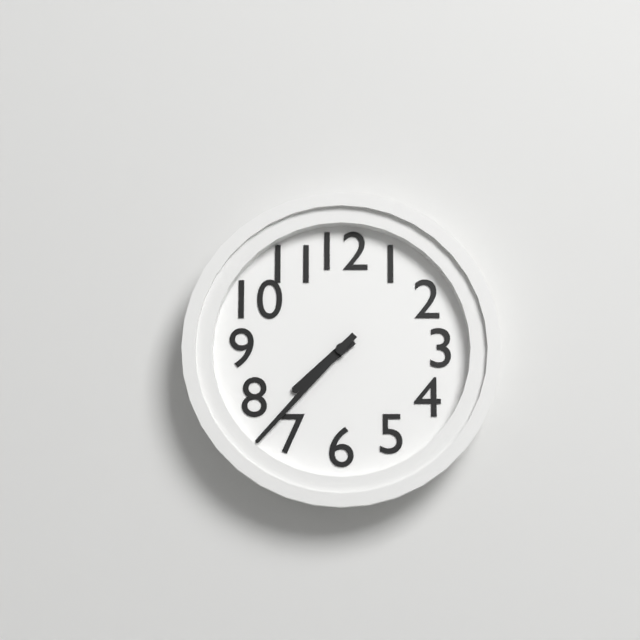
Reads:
7h37
